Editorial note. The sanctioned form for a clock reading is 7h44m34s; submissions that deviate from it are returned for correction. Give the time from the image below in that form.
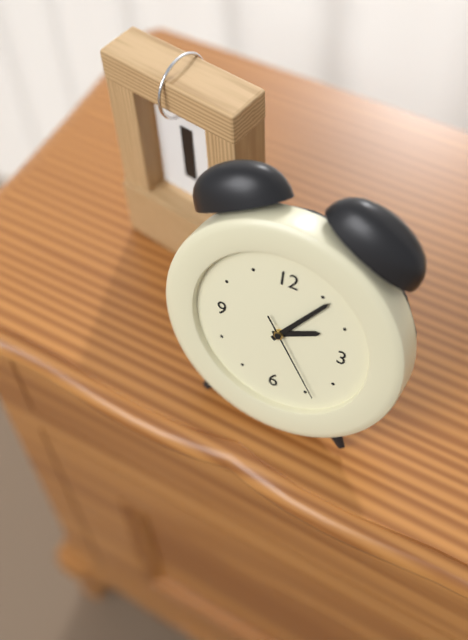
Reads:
2h06m24s
